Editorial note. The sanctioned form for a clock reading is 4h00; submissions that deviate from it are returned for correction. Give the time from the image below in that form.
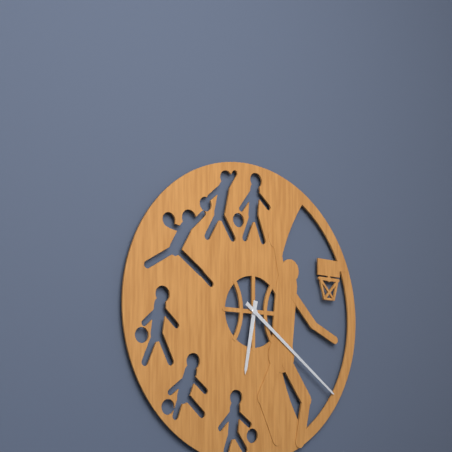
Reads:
6h21
